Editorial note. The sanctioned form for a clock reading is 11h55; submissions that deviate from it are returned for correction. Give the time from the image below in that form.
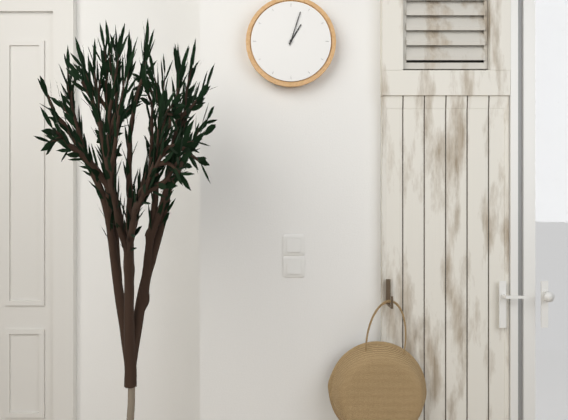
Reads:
1h03
